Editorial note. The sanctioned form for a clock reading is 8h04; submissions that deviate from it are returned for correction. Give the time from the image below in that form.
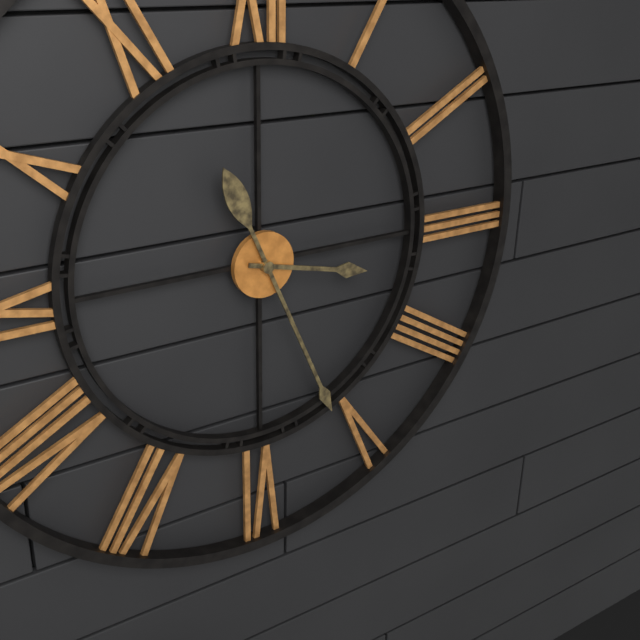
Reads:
3h26
